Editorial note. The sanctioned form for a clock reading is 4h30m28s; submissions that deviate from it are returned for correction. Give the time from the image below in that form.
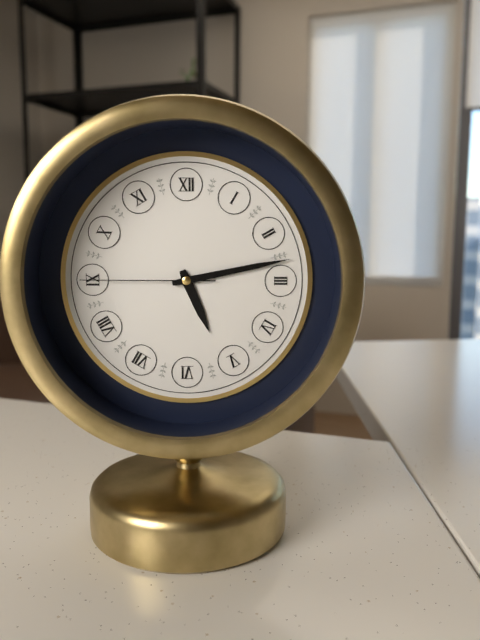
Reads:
5h13m45s
